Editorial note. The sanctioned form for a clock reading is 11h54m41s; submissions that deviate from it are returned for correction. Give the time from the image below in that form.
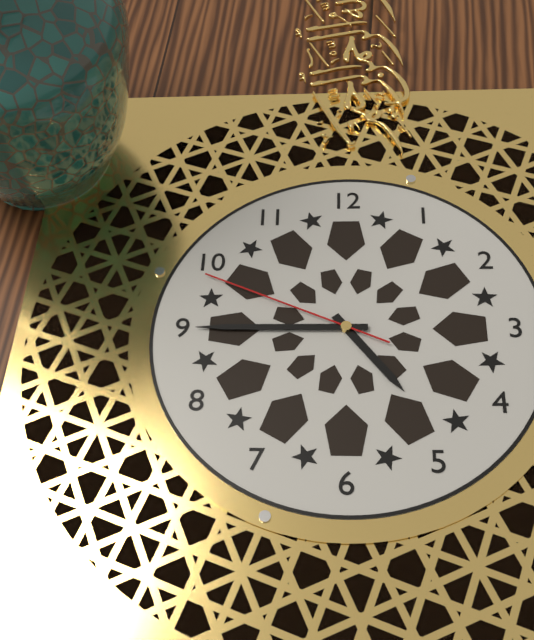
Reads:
4h45m49s
